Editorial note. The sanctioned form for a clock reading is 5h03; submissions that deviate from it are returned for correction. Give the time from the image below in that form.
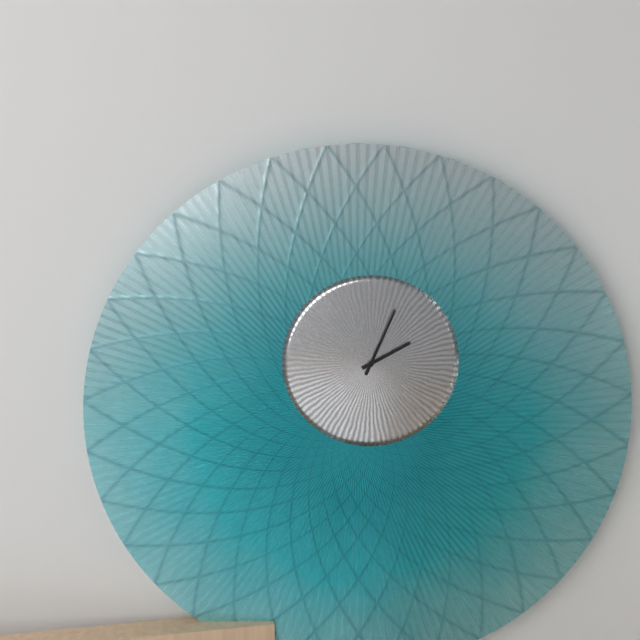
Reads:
2h04
